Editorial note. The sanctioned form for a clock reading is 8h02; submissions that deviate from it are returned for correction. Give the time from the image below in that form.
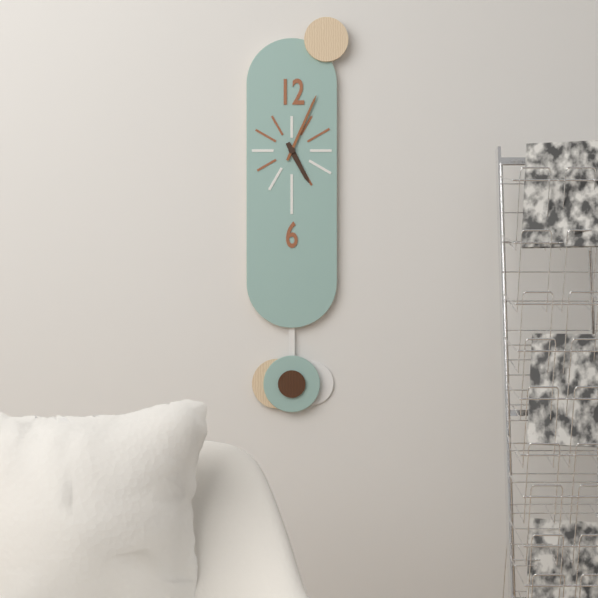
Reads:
5h04
